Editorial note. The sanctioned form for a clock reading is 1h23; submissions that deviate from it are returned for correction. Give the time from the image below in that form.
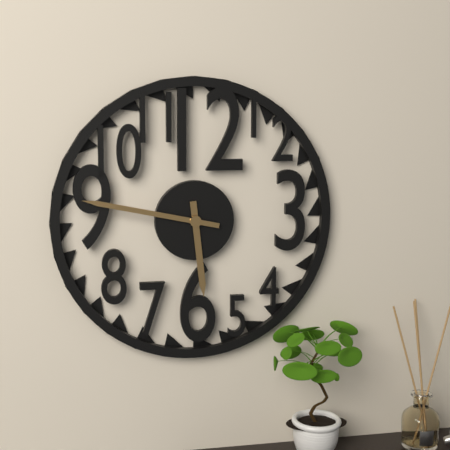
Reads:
5h47
